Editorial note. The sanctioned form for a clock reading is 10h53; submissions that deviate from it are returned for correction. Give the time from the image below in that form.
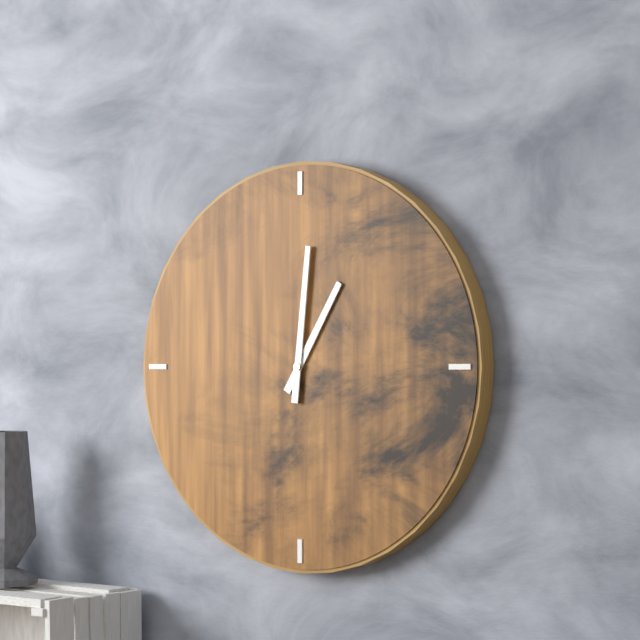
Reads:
1h01
